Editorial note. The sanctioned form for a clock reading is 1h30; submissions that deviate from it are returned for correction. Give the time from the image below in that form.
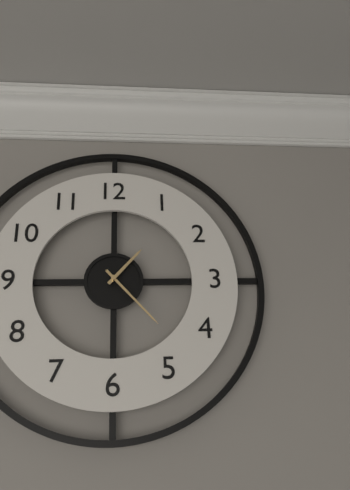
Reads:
1h23
